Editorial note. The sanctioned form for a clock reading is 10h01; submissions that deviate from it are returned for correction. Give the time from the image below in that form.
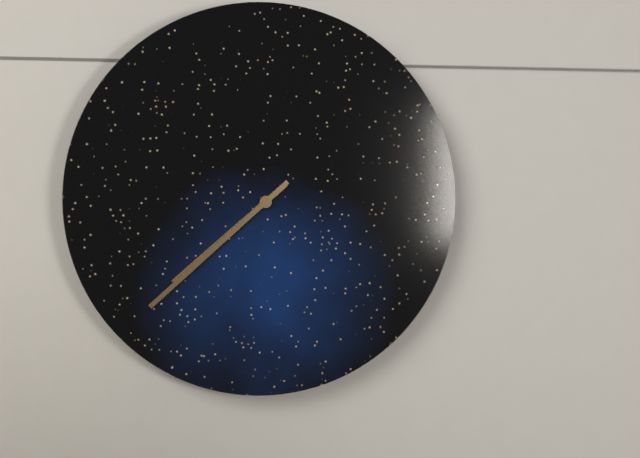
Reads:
7h38
